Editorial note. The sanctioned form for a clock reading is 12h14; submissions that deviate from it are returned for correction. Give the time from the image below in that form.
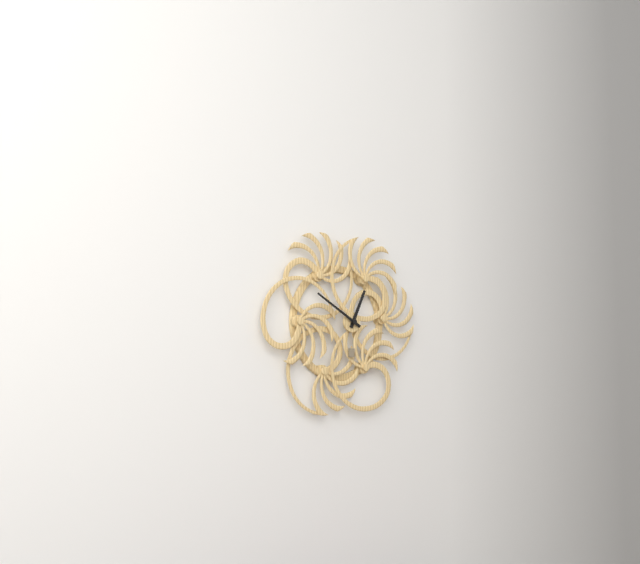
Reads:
12h50
